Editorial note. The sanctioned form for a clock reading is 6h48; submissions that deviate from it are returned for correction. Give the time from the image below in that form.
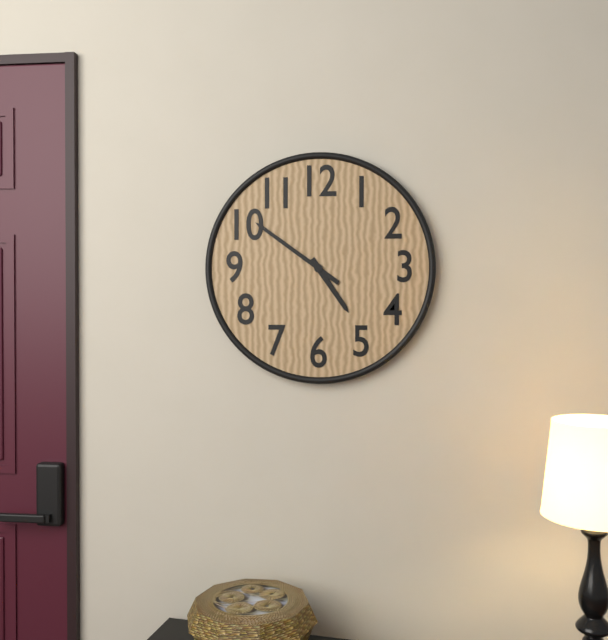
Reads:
4h51
